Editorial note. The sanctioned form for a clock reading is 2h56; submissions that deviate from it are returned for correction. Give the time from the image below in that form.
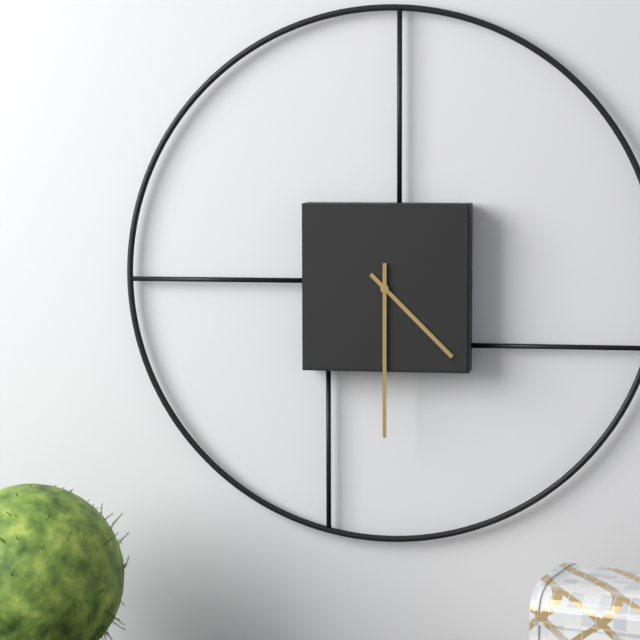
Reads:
4h30
